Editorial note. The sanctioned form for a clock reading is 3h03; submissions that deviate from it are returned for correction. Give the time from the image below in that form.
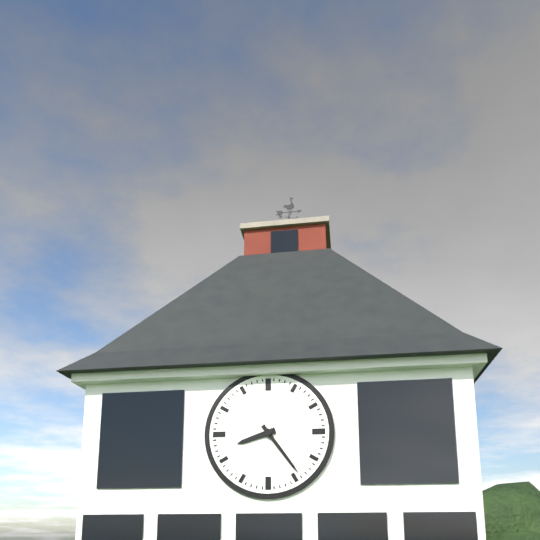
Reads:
8h24
